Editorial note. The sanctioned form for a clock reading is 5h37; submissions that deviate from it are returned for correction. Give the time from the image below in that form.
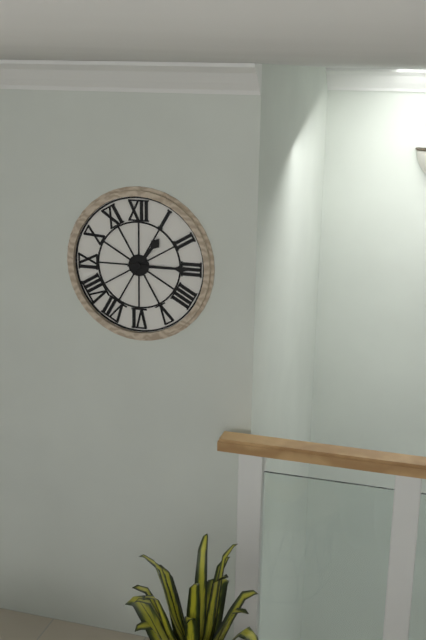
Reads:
1h15
